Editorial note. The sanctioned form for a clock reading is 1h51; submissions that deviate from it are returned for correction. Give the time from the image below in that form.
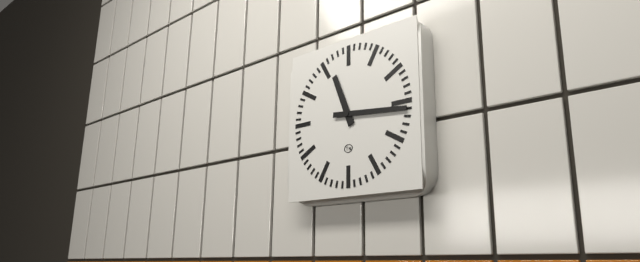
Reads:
11h16
